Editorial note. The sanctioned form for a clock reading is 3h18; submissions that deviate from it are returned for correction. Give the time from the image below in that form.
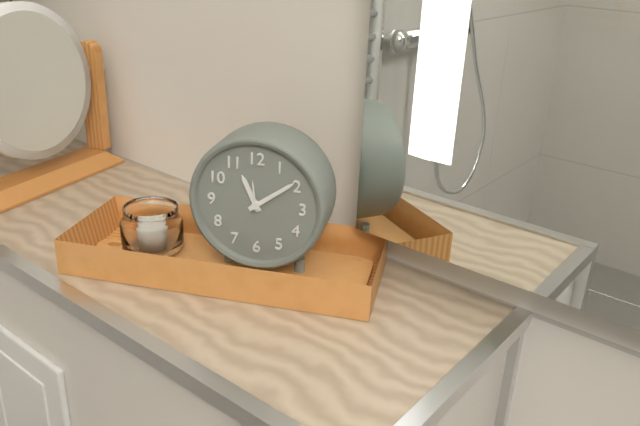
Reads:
11h09
